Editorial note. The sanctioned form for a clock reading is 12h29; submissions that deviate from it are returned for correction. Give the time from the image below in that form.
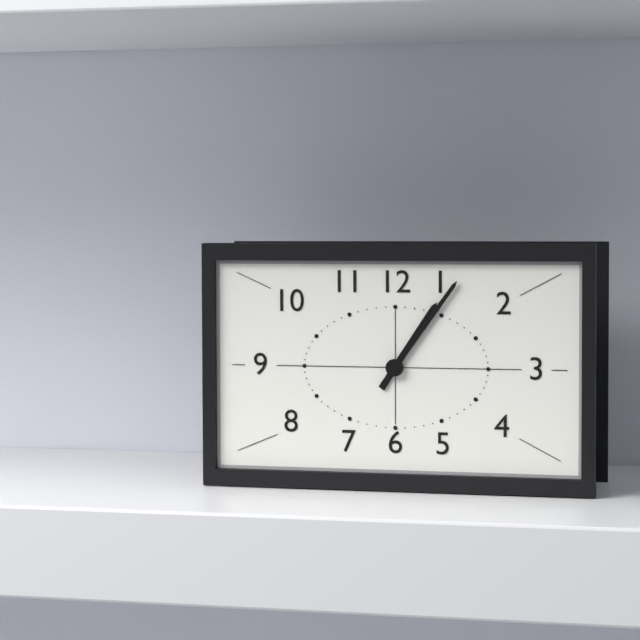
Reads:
1h06
